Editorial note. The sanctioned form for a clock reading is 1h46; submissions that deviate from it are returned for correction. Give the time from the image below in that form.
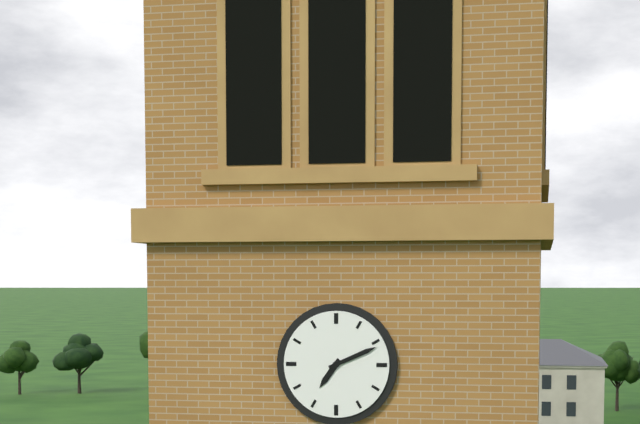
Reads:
7h11
